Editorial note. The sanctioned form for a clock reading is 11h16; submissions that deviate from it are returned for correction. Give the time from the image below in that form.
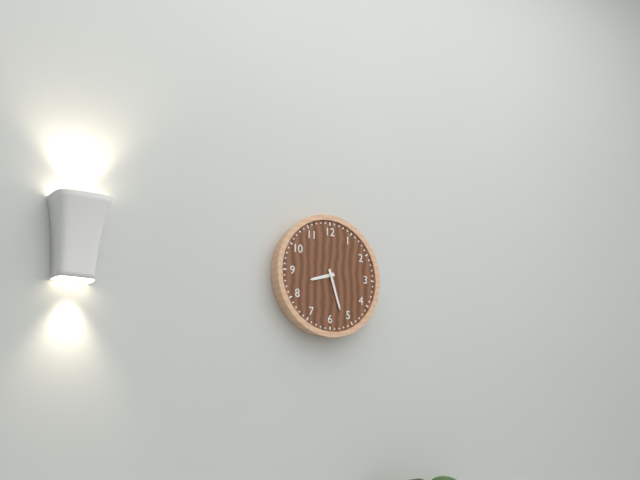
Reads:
8h27
